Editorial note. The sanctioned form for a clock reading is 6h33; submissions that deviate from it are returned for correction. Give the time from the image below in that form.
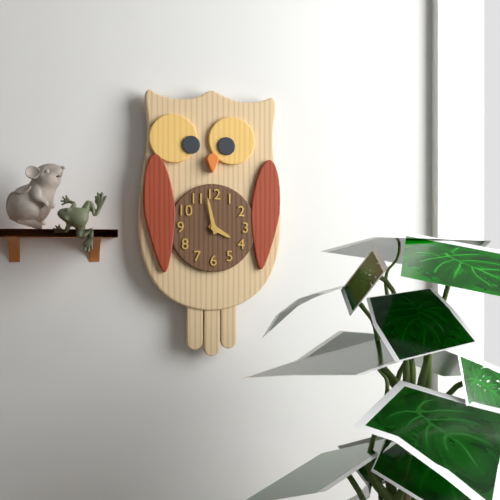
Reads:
3h58
